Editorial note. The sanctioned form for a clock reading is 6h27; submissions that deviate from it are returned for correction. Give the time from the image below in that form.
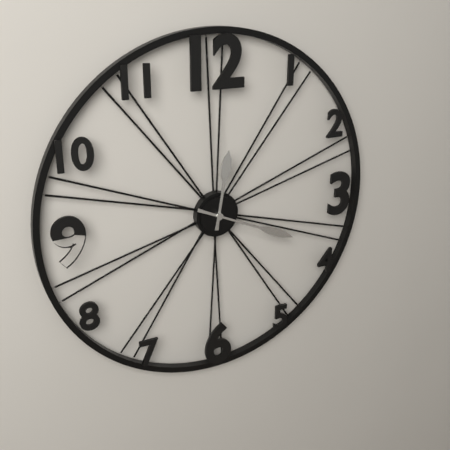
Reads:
12h19
